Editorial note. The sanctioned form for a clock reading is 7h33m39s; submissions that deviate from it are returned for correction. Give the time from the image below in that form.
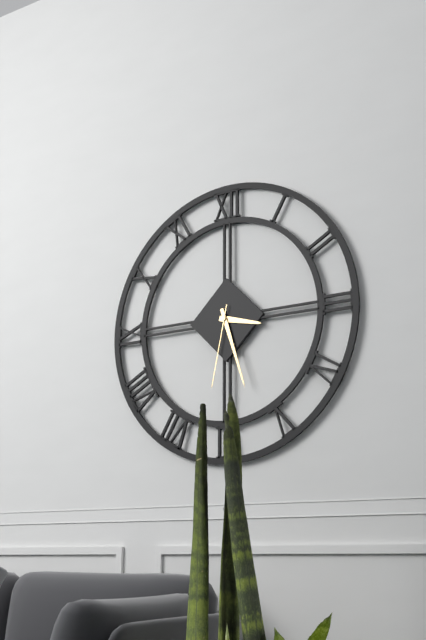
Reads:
3h27m32s
